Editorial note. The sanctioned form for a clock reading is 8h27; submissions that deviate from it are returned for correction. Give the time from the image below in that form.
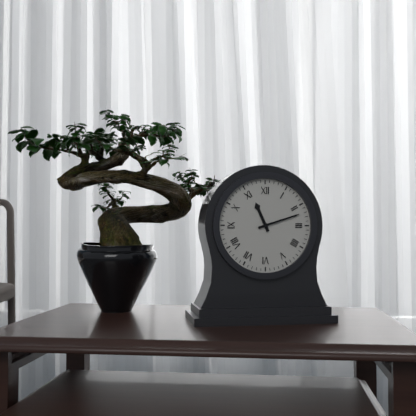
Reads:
11h12
